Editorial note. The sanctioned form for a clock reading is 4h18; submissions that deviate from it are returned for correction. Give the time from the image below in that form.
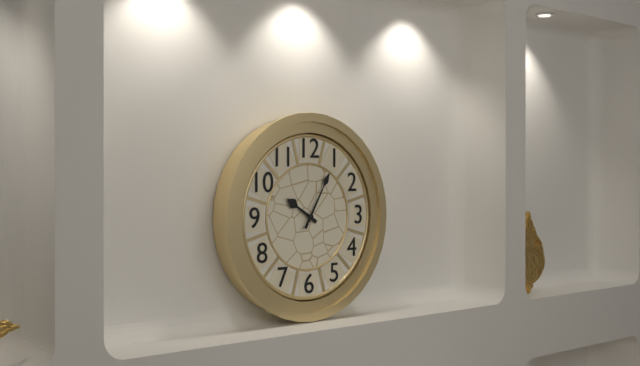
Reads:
10h05
